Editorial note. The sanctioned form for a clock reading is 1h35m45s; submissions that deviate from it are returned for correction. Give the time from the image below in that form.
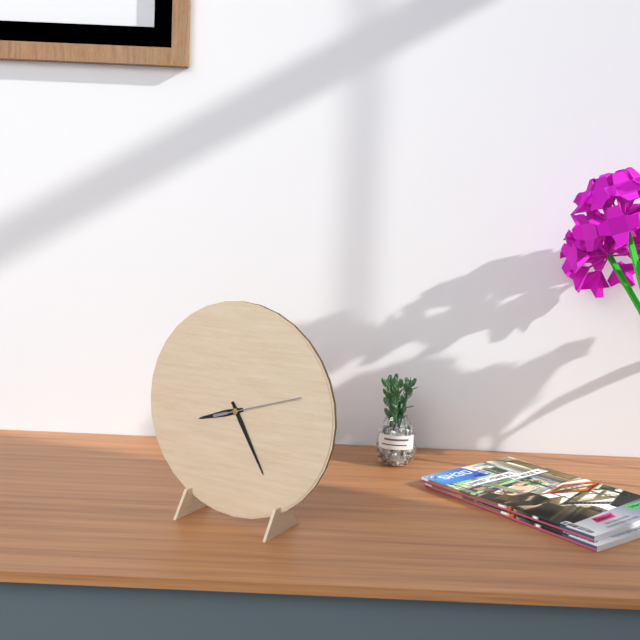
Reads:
8h25m12s
